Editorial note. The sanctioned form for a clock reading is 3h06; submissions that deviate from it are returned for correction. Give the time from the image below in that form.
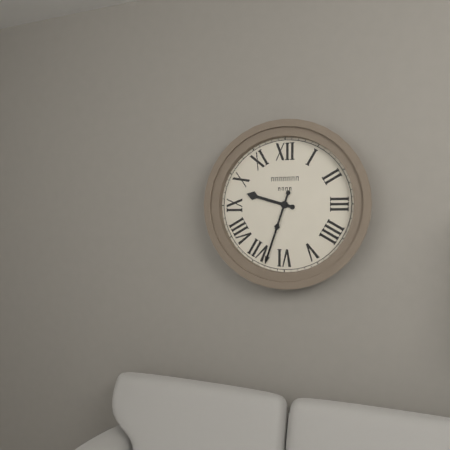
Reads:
9h33
